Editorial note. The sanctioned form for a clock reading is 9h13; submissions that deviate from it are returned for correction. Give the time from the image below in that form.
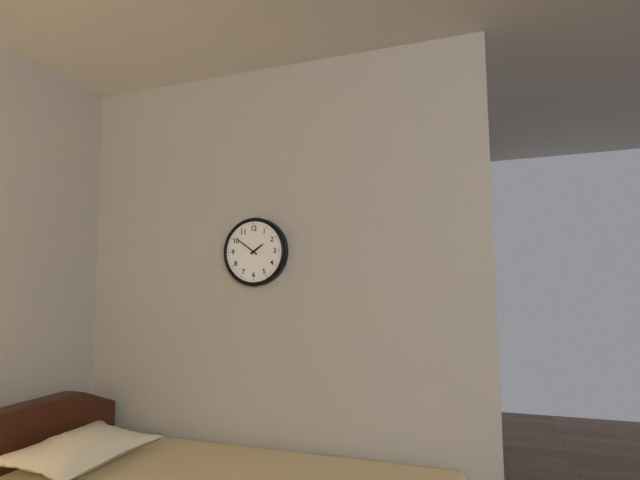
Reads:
1h51
